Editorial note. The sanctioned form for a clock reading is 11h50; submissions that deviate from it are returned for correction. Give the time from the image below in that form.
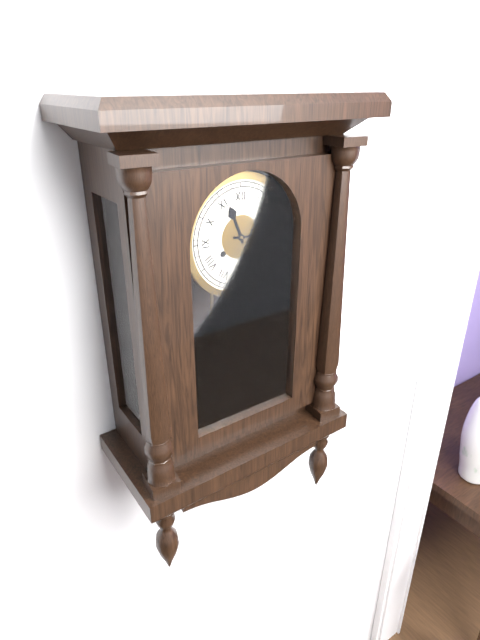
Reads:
11h16
